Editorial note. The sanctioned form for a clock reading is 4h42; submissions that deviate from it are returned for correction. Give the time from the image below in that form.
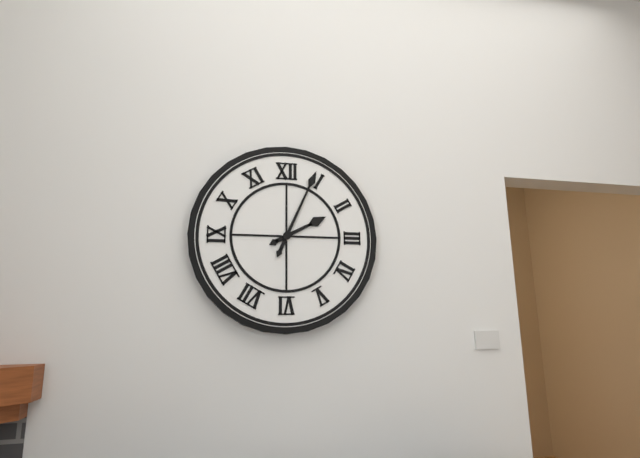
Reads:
2h04
